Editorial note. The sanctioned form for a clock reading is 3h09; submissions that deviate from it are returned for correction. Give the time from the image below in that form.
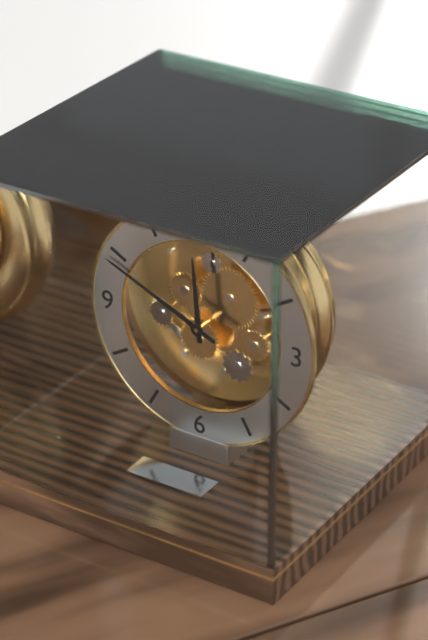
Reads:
11h49
